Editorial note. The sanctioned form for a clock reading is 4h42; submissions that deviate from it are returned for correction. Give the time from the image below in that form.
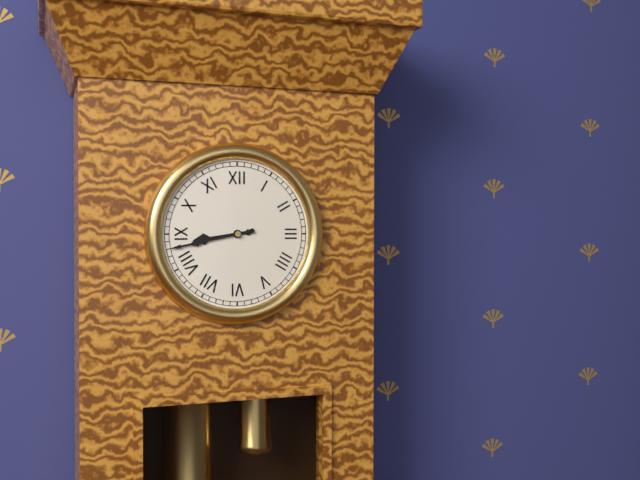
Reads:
8h43
